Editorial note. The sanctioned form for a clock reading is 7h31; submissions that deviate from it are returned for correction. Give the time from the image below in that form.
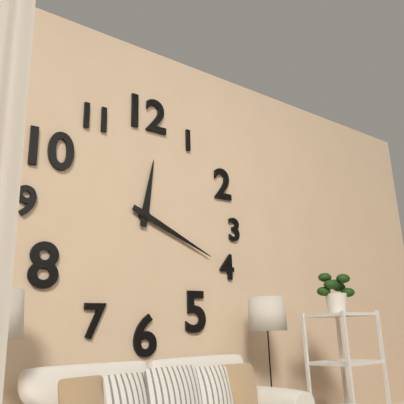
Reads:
12h19
